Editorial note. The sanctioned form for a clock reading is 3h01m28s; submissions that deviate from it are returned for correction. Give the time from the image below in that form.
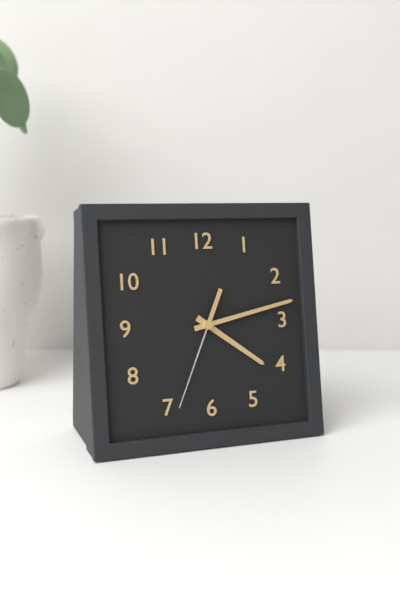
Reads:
4h13m34s
